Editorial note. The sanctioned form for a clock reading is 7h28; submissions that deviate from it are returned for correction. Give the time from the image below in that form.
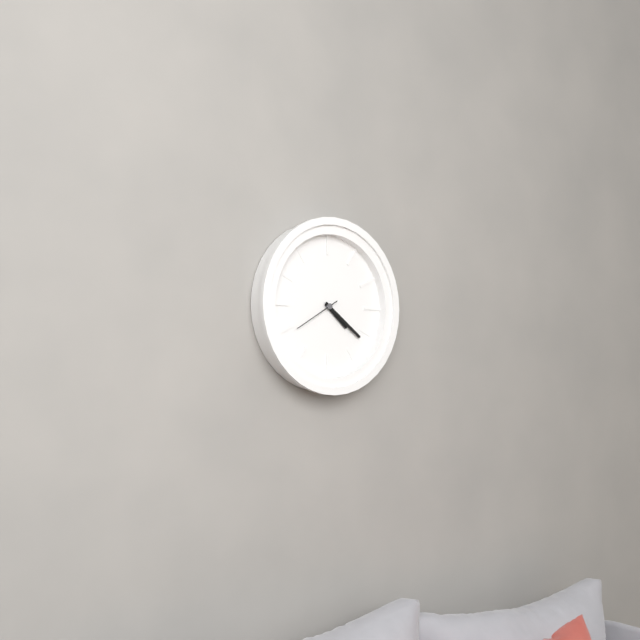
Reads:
4h21
